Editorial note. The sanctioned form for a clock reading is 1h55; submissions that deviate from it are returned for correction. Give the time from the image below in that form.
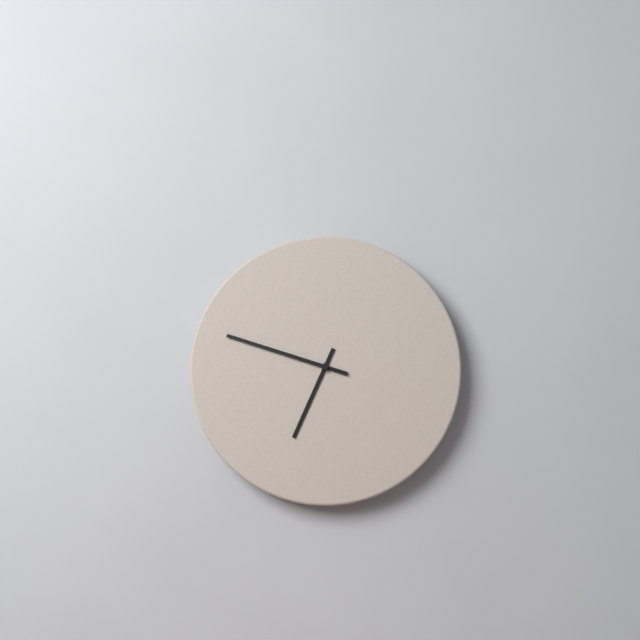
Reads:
6h48
